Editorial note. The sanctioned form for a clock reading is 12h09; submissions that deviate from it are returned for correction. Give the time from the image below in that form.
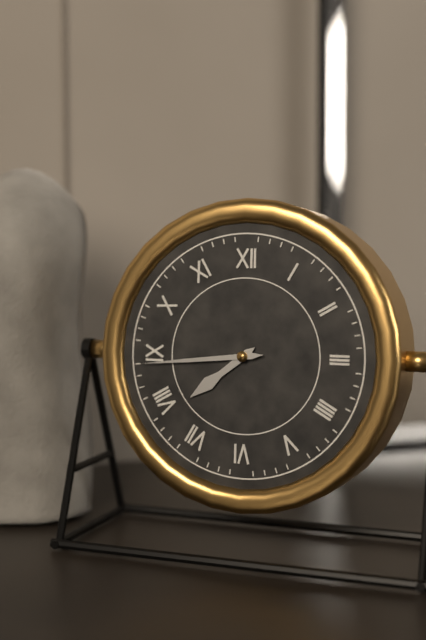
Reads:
7h44
